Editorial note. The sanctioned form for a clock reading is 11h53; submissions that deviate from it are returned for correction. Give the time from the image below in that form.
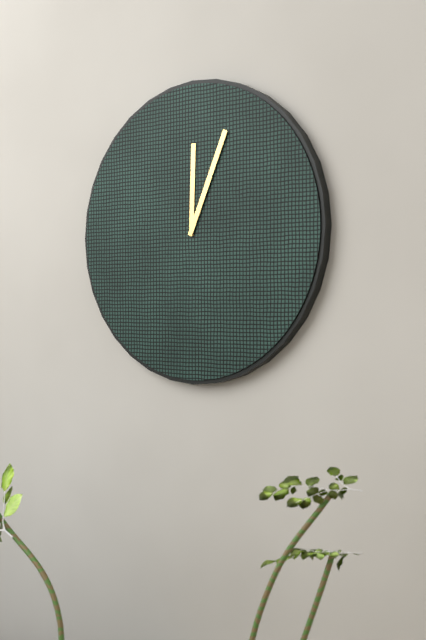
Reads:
12h04
